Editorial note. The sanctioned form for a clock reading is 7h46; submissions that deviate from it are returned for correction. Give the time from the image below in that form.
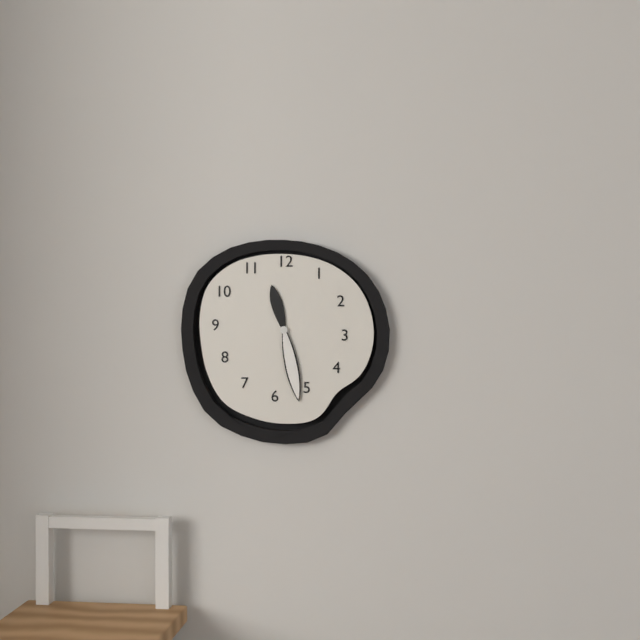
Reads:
11h28
